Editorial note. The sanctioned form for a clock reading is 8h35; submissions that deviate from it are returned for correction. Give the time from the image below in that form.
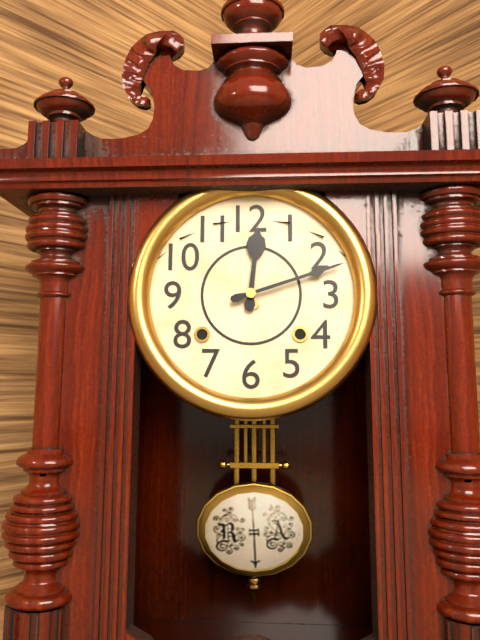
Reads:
12h12
